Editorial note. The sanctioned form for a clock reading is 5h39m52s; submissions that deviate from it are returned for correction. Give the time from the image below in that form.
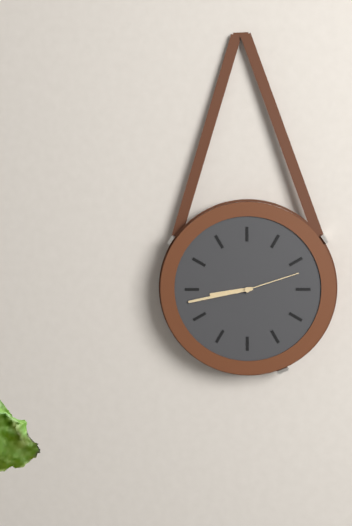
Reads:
8h43m12s
